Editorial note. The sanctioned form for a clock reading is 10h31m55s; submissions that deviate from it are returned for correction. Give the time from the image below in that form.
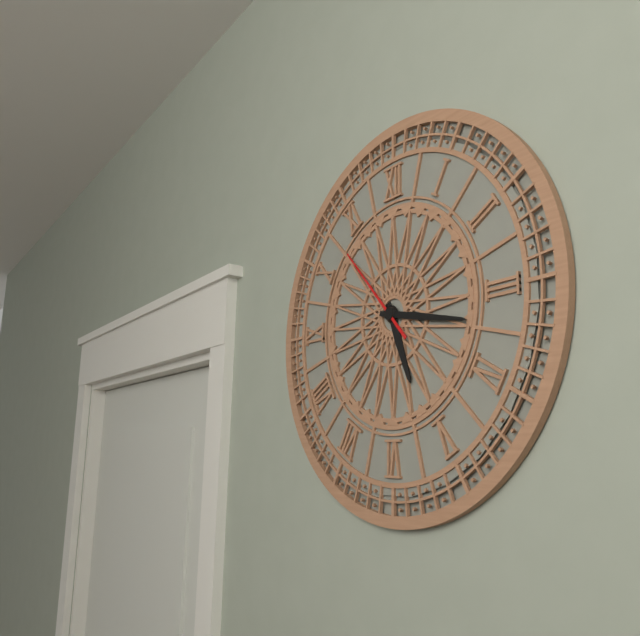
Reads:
5h17m53s
